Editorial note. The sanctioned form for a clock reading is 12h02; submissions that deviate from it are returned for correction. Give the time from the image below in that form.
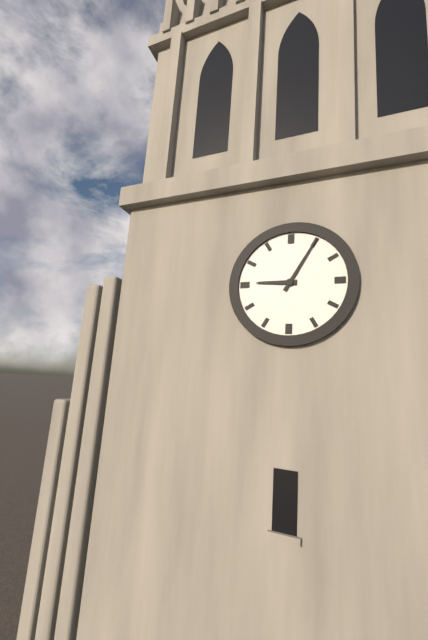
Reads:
9h05
